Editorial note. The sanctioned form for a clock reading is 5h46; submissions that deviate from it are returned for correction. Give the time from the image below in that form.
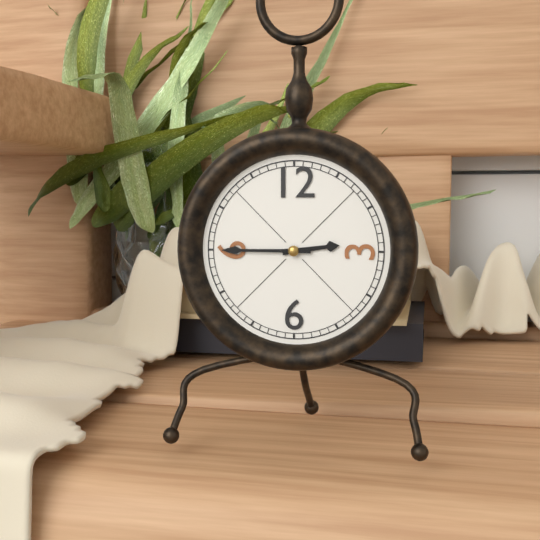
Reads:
2h45
